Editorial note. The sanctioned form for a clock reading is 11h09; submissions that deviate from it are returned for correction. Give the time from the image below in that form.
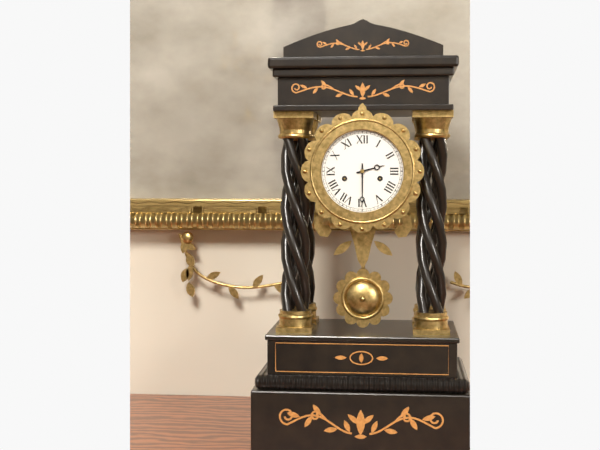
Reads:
2h30
